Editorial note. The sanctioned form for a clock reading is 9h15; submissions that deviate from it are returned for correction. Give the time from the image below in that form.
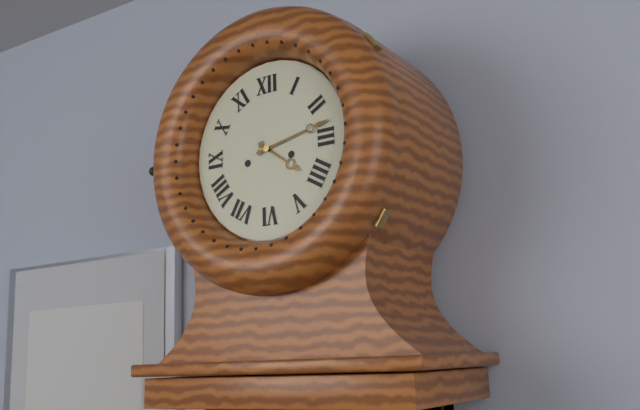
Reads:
4h13
